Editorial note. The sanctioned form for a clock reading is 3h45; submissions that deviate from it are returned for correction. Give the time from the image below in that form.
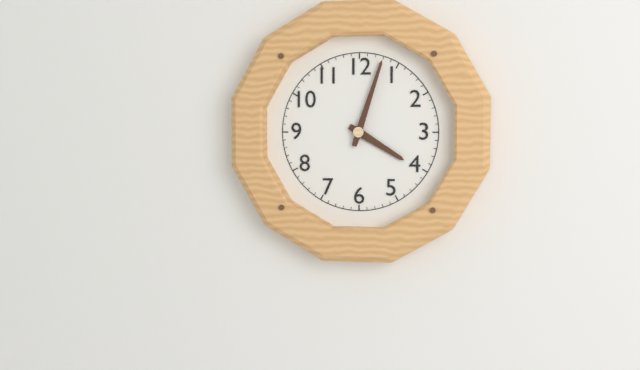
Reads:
4h03
